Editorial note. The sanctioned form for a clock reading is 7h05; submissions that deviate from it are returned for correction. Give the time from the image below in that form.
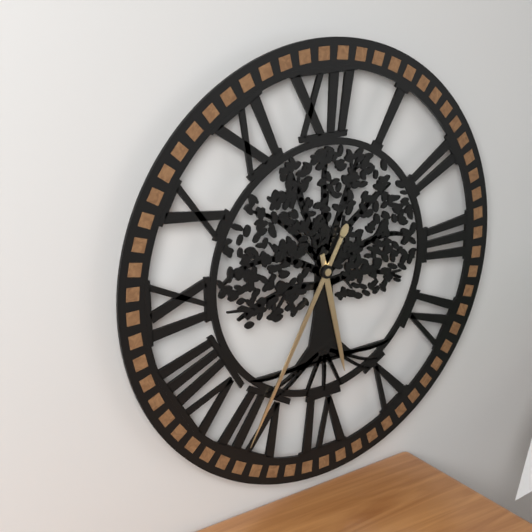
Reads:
5h35
